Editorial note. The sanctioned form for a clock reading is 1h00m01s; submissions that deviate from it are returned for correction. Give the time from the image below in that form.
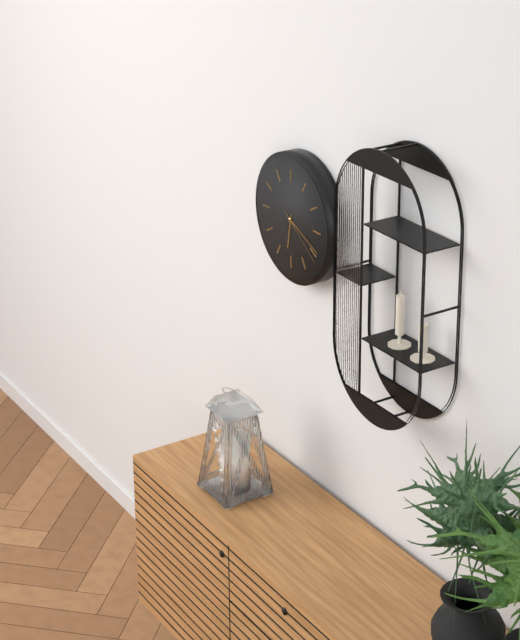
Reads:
6h19m21s
